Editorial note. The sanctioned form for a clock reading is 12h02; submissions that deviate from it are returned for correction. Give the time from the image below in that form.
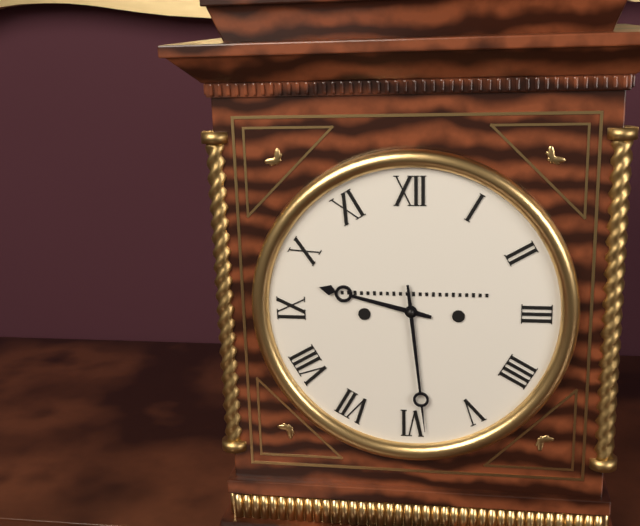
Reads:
9h29
